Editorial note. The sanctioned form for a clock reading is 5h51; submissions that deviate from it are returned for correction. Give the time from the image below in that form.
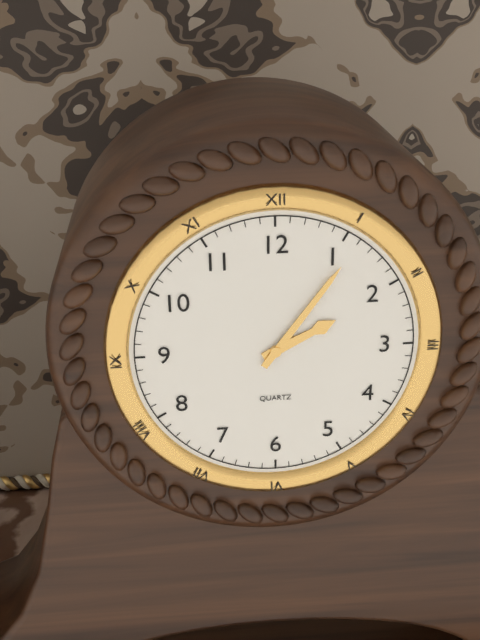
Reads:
2h06
